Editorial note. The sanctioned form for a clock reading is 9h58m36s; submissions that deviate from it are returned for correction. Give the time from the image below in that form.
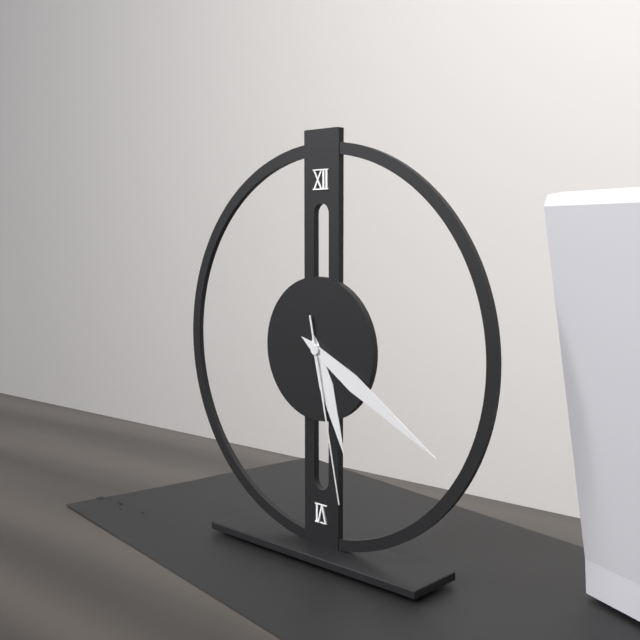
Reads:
5h20m28s
